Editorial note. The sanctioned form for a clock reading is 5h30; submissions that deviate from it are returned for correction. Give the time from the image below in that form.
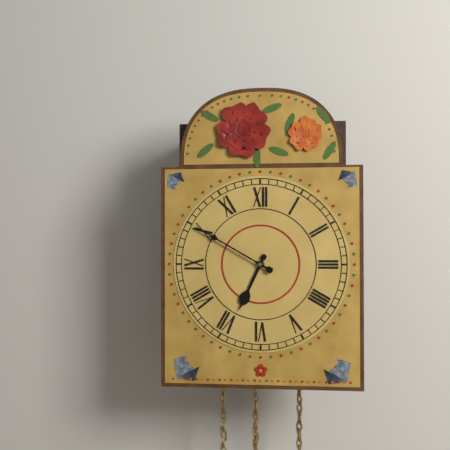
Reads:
6h50
